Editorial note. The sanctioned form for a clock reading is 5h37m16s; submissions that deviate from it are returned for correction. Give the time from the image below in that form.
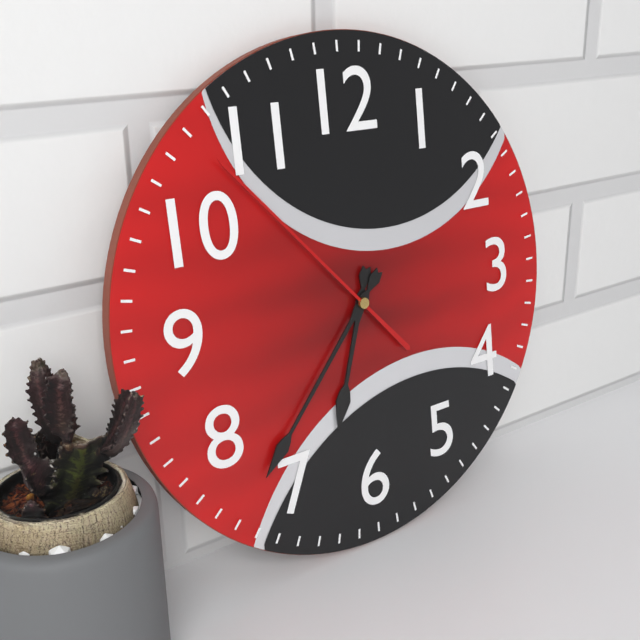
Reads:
6h37m53s
